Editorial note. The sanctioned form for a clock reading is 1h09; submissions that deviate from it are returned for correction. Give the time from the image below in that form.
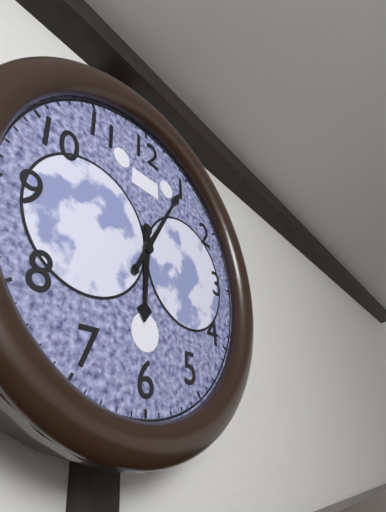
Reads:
6h05
